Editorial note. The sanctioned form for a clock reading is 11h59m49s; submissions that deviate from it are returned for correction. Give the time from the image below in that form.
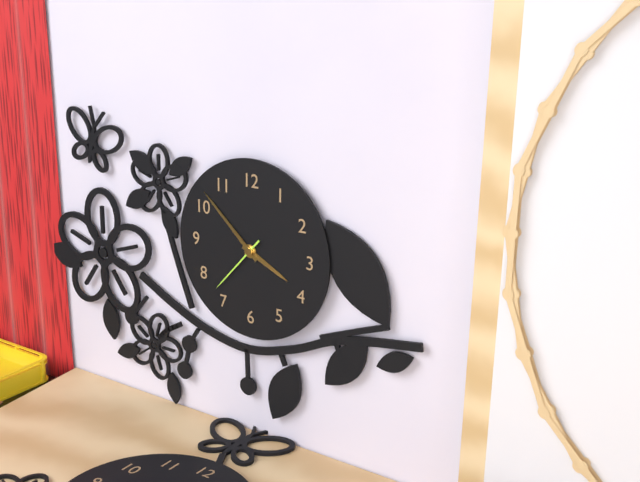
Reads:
3h52m37s
